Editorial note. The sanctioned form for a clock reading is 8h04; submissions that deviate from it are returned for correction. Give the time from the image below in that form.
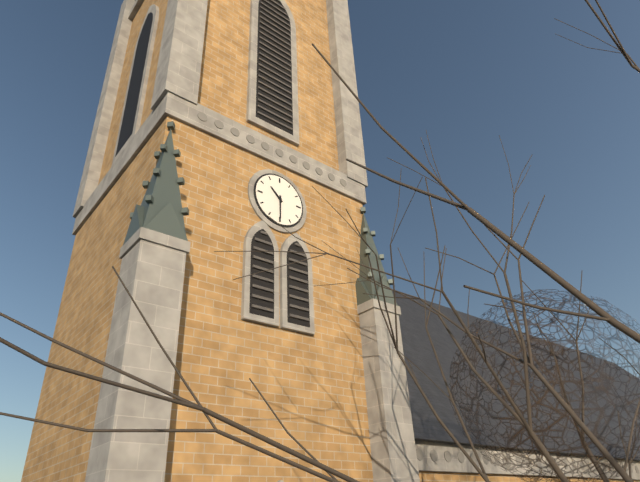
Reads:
10h30
